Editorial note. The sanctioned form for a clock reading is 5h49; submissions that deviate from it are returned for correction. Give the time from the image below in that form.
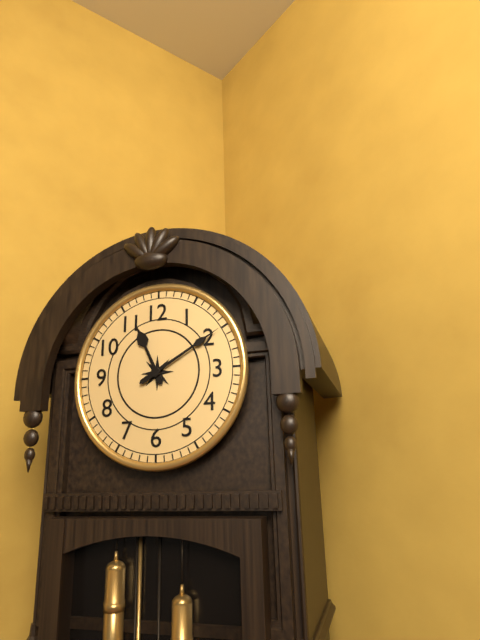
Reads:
11h10
